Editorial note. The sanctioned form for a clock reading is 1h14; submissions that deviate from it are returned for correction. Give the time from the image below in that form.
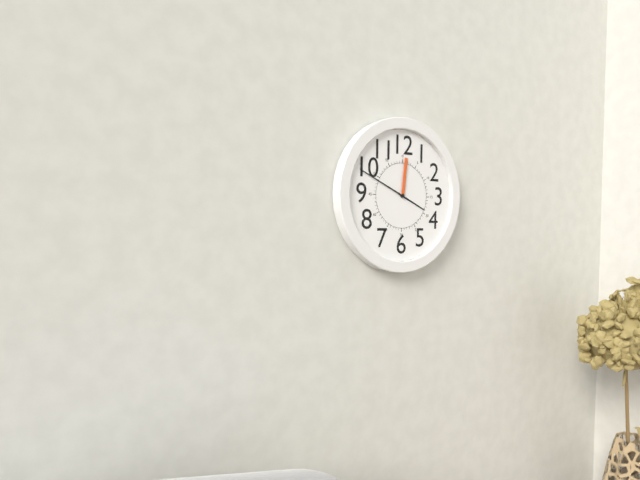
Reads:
3h49
